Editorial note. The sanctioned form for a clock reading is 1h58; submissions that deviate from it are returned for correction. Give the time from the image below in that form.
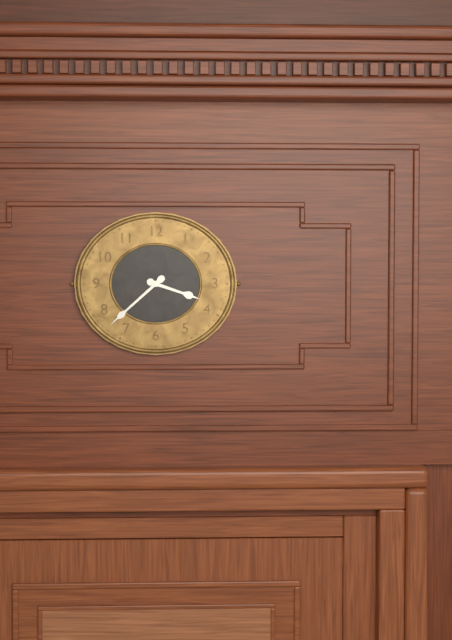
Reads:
3h38
